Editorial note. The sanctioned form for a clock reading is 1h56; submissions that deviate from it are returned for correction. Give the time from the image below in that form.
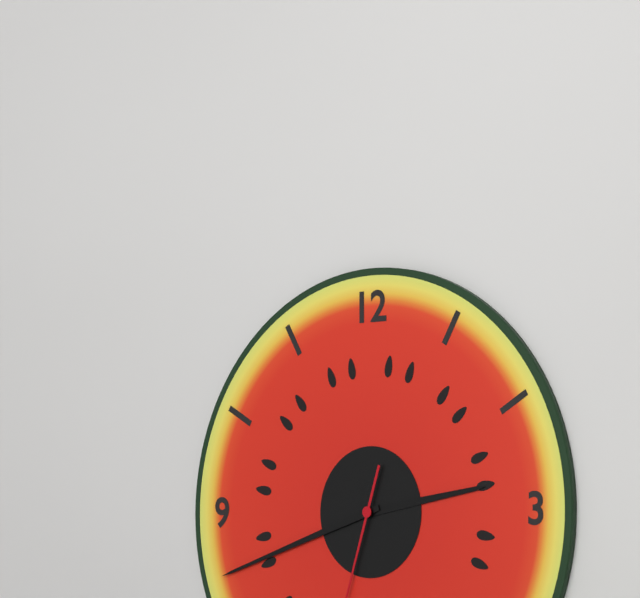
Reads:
2h42
